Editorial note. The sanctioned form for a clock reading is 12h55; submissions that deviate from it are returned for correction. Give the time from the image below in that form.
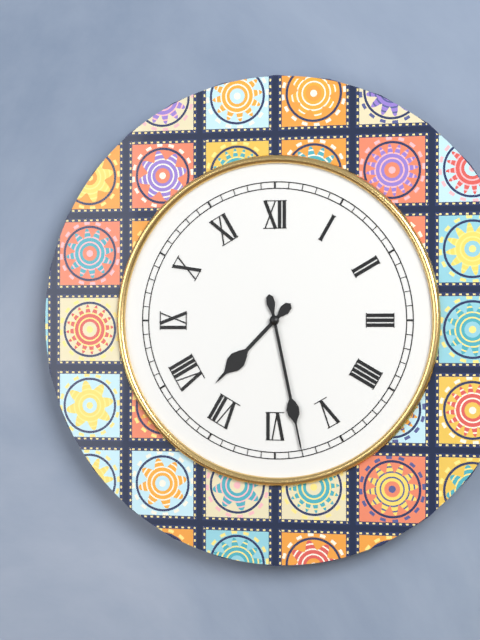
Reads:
7h28
